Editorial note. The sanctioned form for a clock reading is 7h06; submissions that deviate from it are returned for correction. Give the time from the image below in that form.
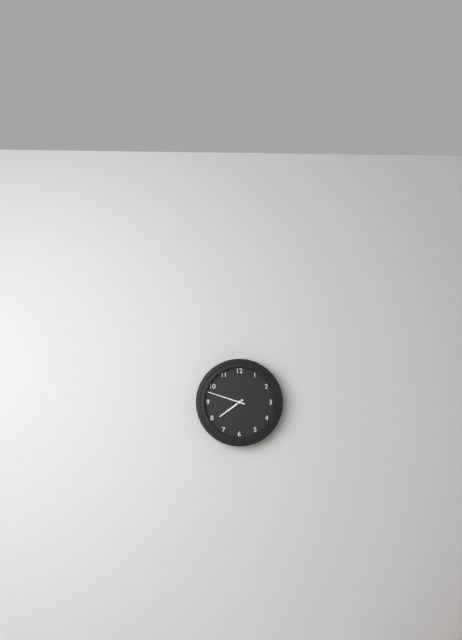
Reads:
7h48
